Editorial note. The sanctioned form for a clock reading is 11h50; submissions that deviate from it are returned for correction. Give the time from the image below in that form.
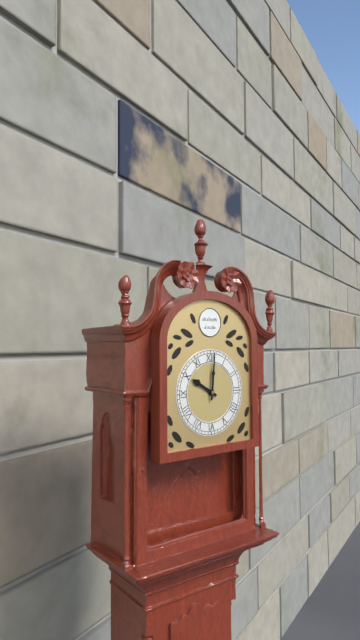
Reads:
10h01
